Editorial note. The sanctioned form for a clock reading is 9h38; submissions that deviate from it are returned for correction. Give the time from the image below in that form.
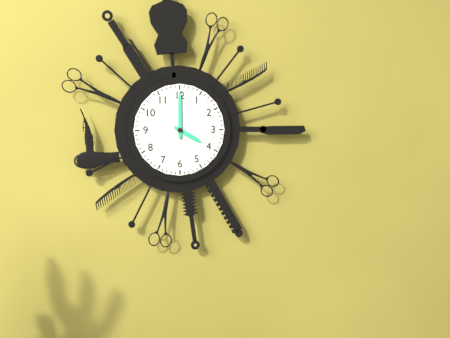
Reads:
4h00
